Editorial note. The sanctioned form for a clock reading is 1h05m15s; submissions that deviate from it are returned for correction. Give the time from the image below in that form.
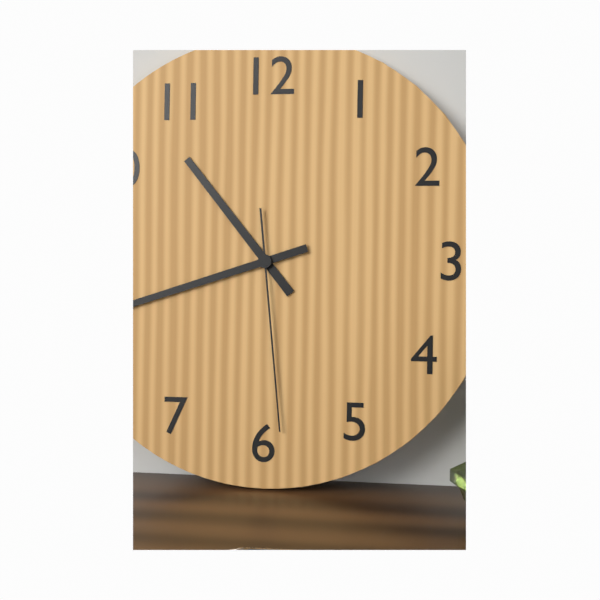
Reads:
10h42m29s
